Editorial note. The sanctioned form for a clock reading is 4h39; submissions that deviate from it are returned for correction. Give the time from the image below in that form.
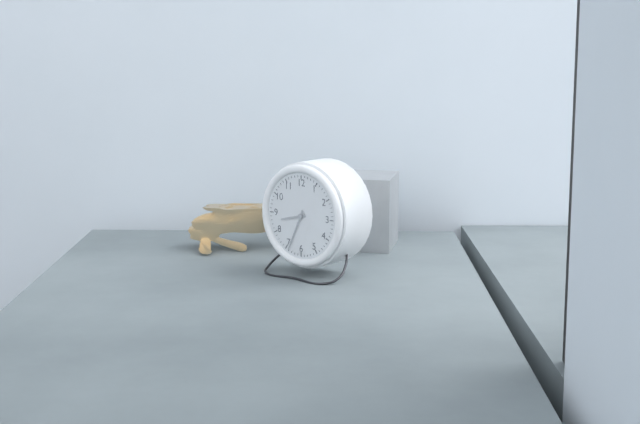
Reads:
8h34
